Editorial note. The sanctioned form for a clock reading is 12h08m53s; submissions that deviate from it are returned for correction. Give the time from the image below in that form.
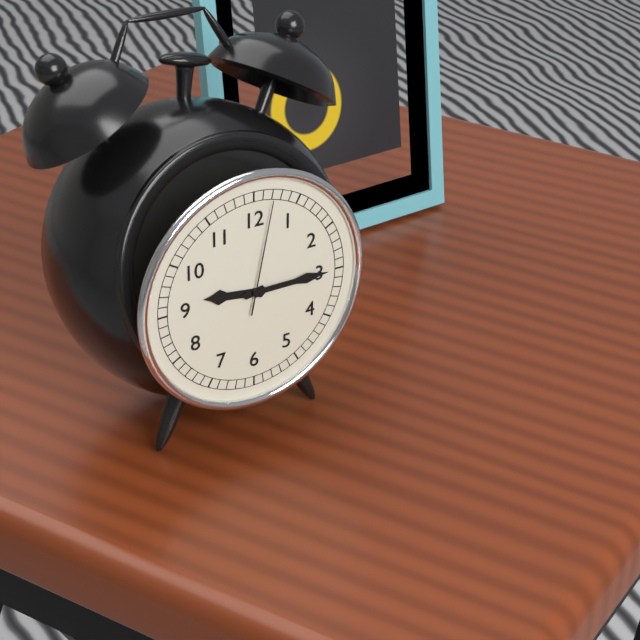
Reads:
9h15m02s
